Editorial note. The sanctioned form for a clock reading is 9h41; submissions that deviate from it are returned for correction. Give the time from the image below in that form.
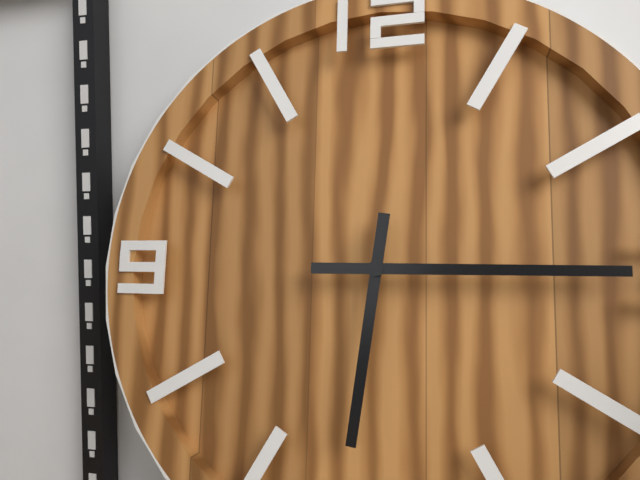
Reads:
6h15
